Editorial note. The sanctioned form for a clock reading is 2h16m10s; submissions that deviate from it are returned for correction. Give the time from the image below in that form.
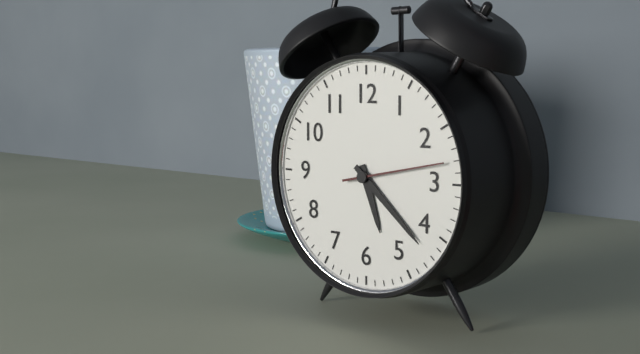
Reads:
5h22m13s
